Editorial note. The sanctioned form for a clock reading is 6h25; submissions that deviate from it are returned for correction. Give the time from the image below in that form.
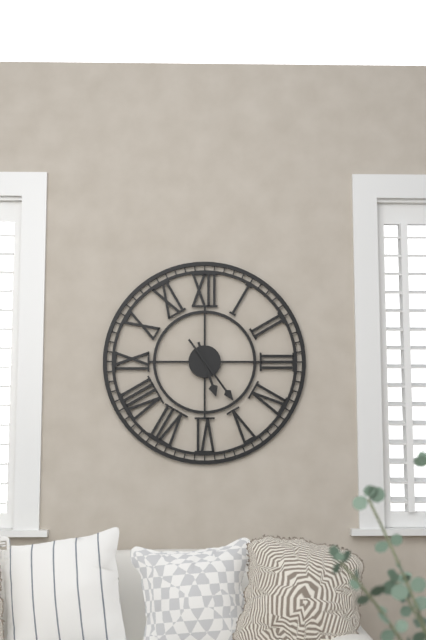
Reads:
5h24
